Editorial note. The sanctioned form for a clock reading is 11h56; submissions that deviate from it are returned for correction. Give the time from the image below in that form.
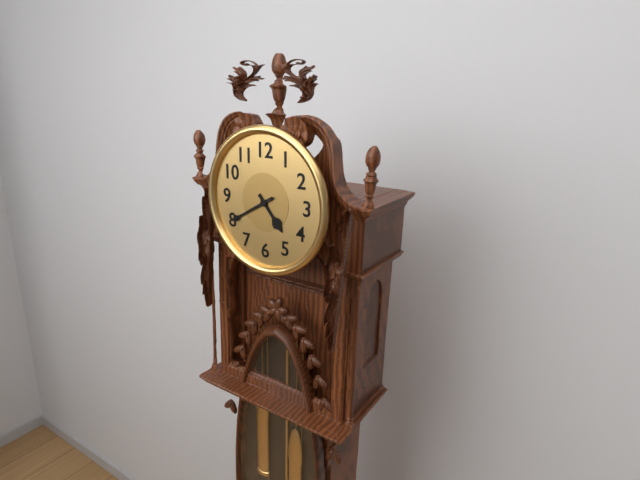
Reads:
4h40
